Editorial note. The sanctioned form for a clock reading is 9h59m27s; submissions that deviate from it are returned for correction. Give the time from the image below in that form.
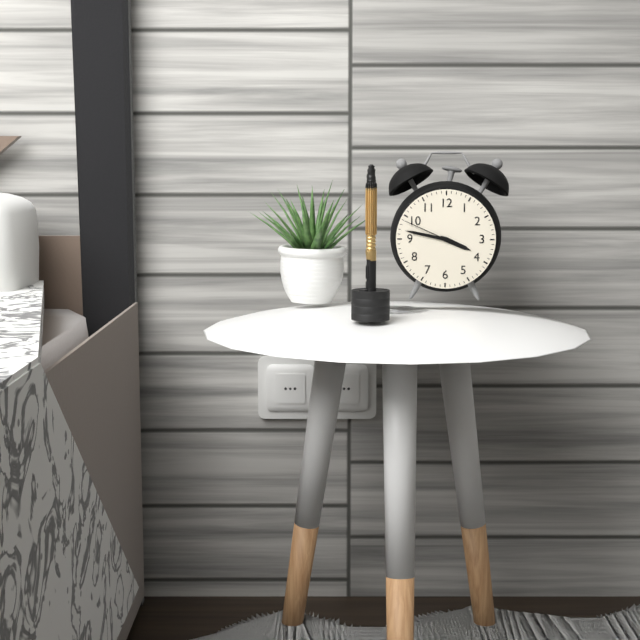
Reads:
3h47m49s
